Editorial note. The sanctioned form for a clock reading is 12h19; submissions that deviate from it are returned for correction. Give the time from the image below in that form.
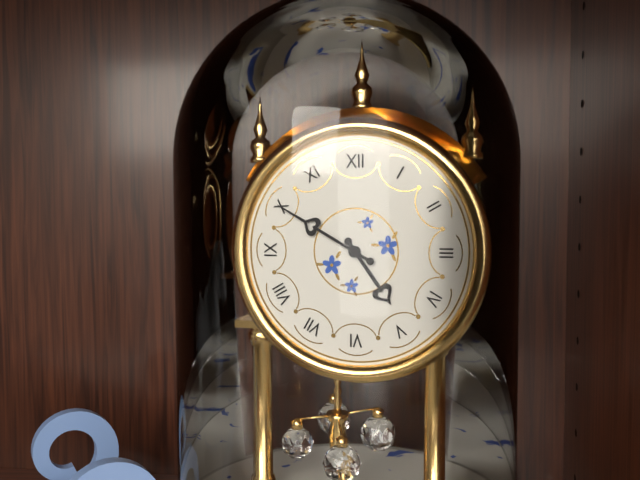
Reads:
4h50
